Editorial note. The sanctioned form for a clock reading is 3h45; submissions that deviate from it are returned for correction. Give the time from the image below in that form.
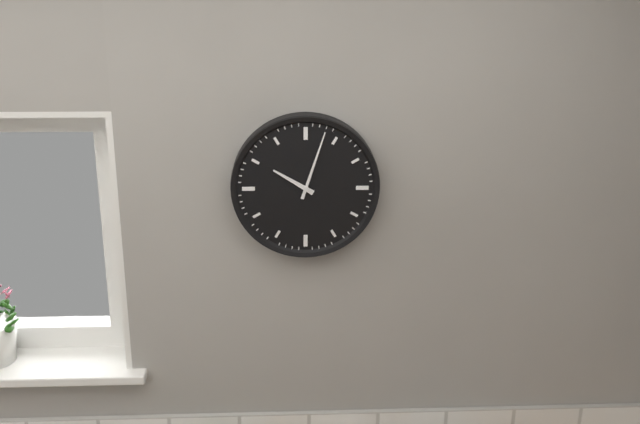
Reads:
10h03
